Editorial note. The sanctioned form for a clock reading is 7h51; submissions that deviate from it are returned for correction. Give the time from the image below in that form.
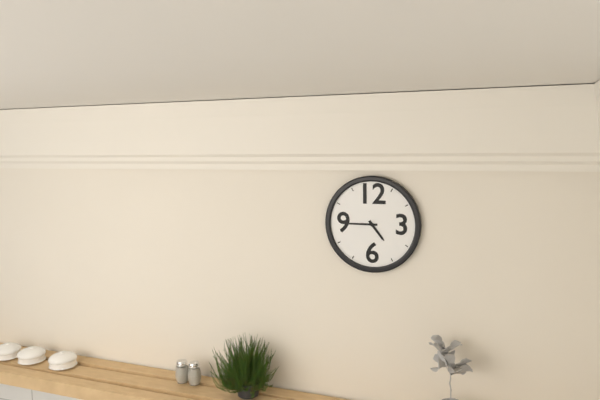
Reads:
4h45
